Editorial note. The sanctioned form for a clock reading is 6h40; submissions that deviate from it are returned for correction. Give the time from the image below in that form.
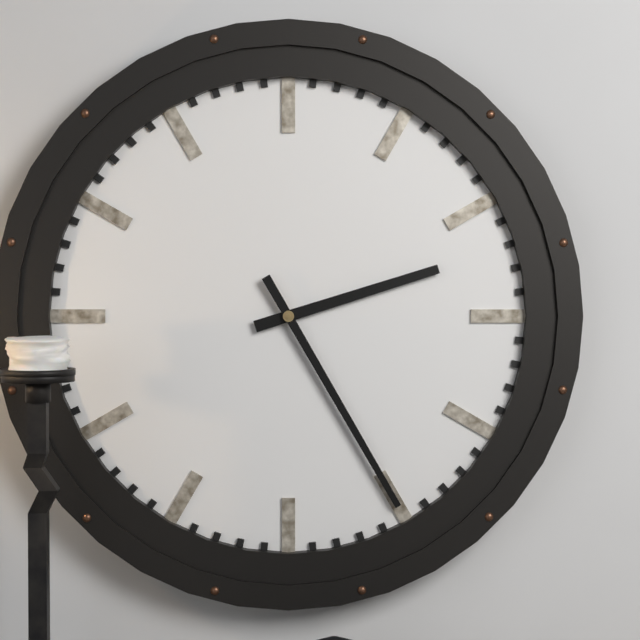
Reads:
2h25
